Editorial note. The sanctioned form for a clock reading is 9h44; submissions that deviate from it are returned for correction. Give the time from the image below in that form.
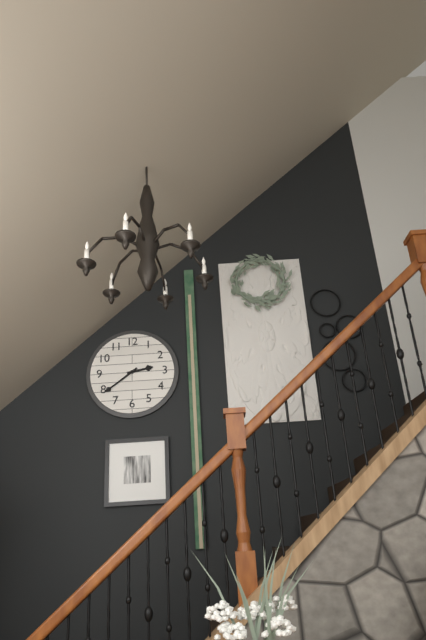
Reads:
2h39
